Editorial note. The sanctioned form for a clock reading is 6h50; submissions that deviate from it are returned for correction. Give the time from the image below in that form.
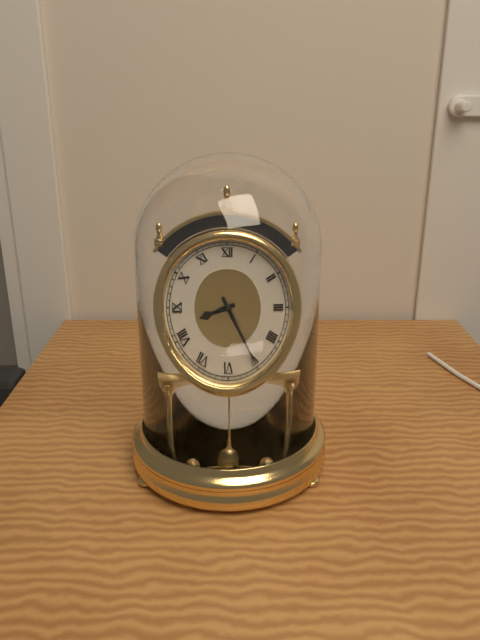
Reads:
8h25
